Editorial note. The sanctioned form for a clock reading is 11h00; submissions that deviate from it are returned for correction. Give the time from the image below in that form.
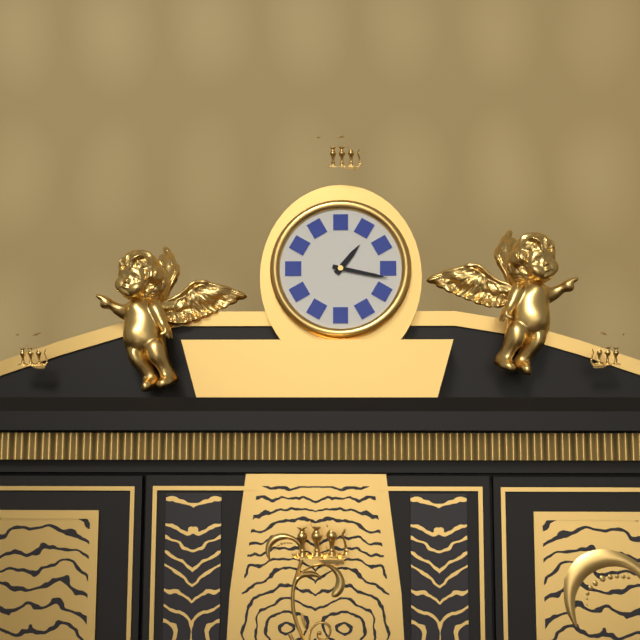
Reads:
1h17
